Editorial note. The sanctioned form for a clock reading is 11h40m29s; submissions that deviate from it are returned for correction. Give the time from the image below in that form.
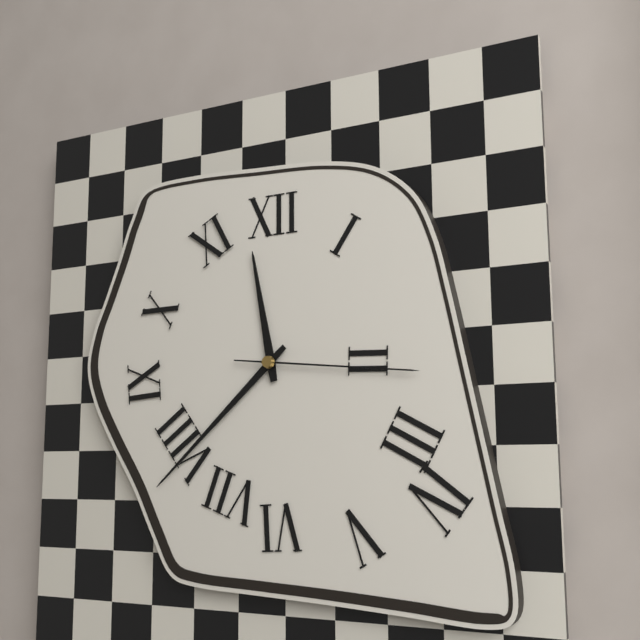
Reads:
11h38m16s
